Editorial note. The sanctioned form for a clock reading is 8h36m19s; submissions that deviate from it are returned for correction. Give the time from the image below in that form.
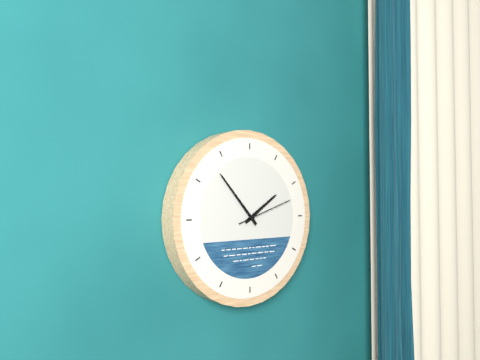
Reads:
1h53m12s
